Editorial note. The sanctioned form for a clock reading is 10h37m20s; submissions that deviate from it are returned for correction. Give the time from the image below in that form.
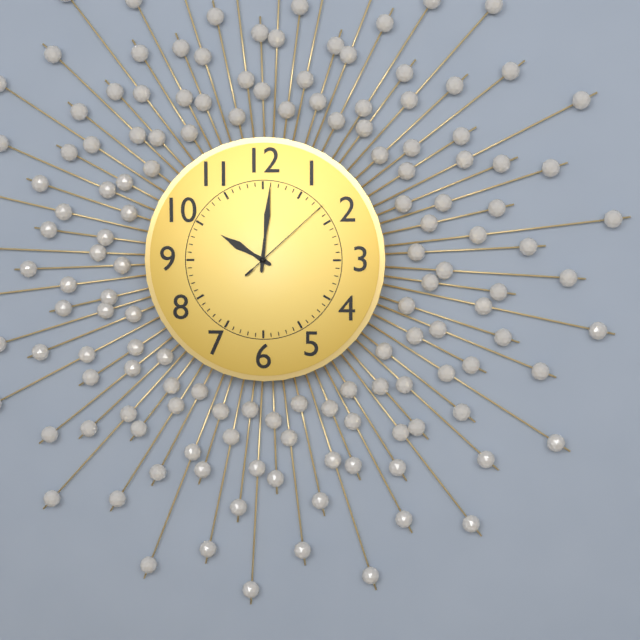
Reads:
10h01m08s
